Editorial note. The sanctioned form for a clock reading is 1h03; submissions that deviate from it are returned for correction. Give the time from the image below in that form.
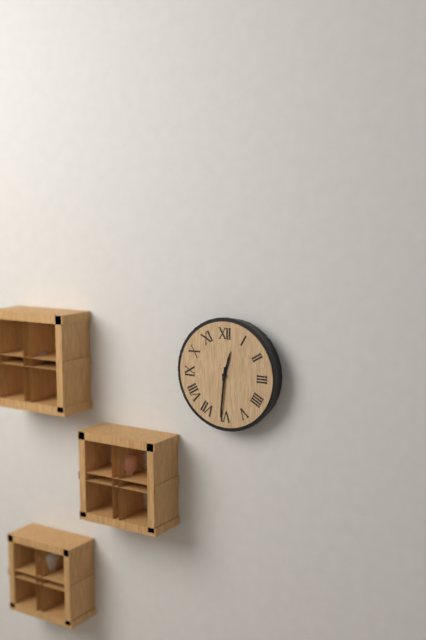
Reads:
12h31
